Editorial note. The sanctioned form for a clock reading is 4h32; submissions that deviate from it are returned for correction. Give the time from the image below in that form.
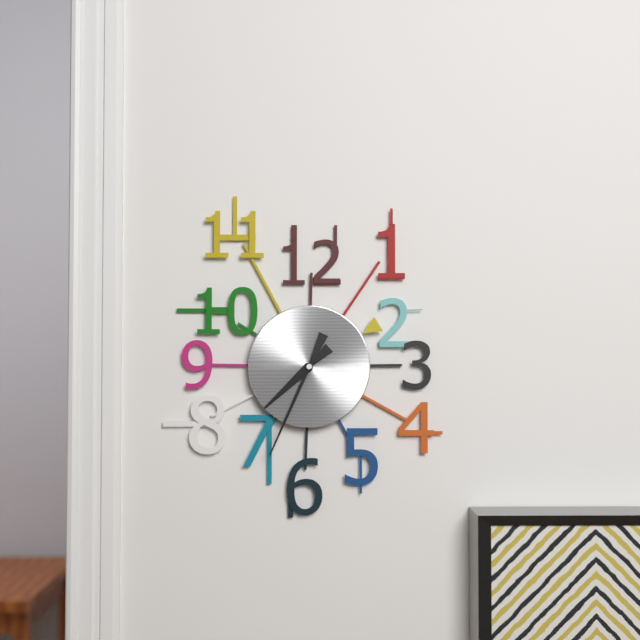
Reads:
7h34
